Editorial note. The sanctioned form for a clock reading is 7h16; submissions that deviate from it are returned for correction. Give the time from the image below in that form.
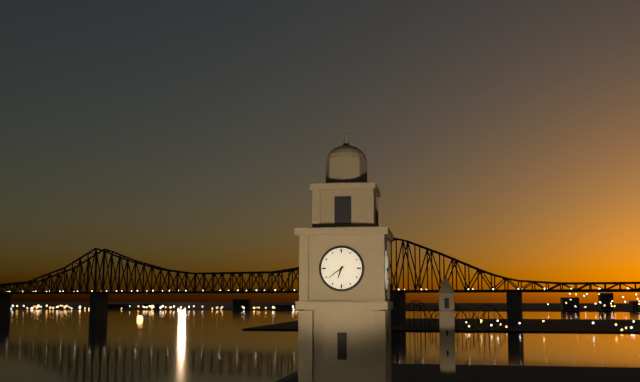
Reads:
6h39
